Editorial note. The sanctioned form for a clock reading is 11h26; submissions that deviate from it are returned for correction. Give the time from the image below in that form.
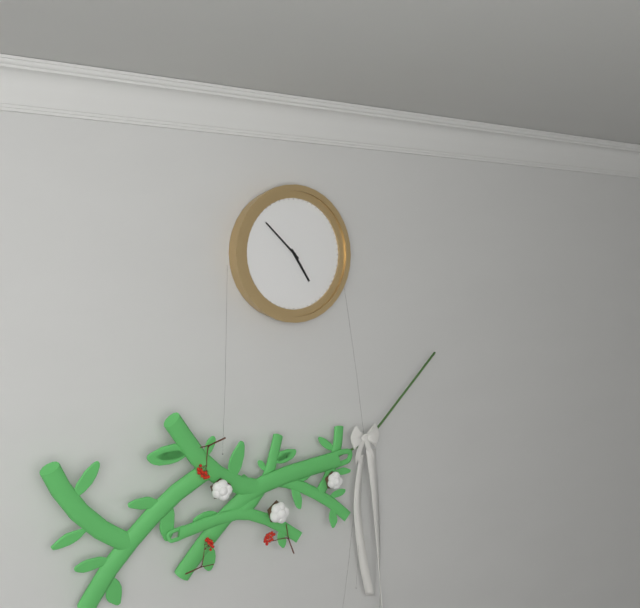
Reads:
4h52
